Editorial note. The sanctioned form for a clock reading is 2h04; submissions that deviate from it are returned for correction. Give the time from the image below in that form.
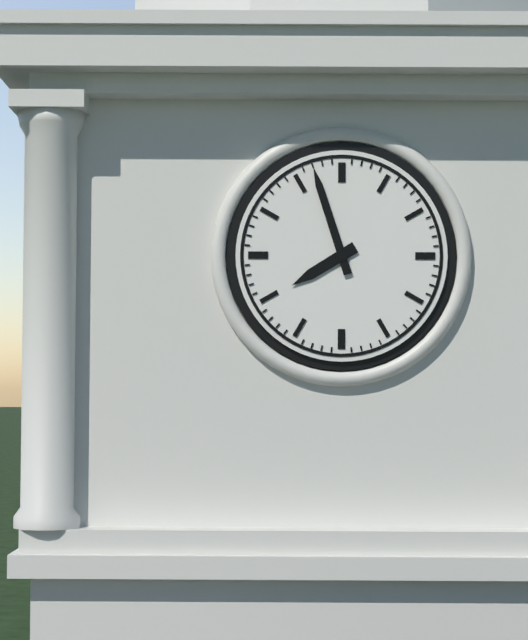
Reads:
7h57
